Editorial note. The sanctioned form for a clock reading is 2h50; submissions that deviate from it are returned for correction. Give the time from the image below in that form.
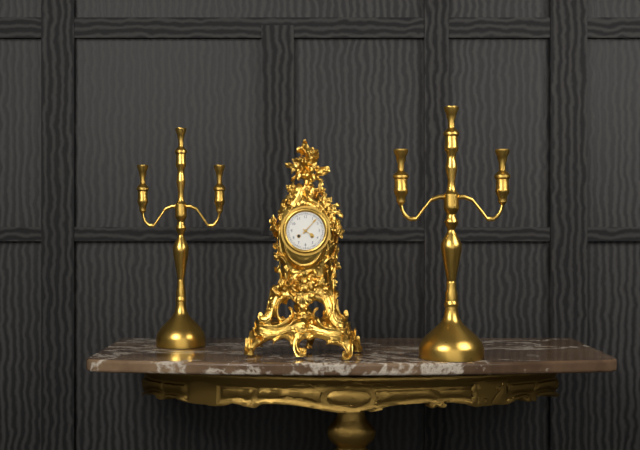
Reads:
4h07
